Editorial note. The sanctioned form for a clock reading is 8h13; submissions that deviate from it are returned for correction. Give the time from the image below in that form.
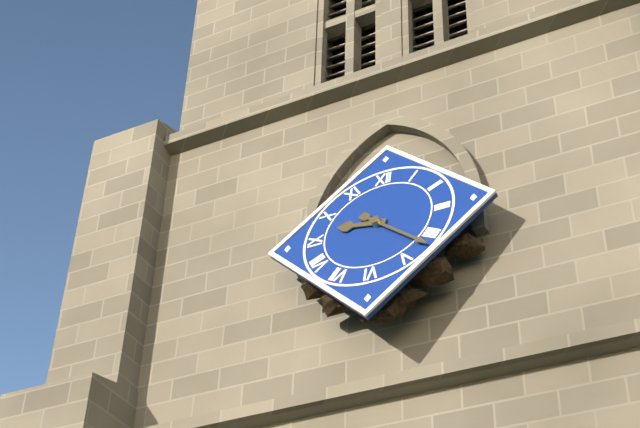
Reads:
9h22
